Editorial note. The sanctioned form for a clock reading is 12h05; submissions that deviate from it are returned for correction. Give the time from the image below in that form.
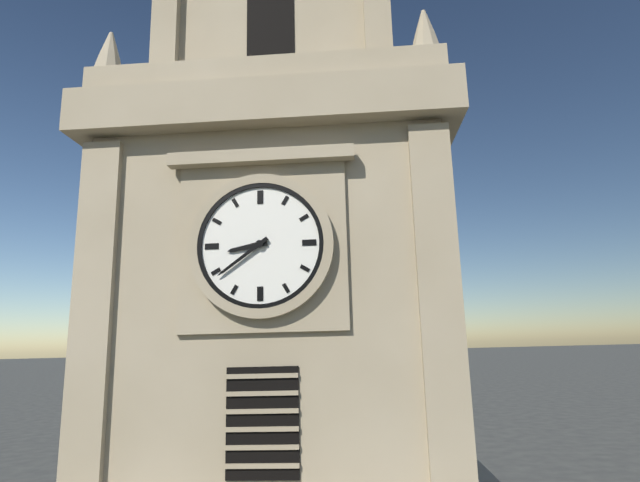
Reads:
8h39
